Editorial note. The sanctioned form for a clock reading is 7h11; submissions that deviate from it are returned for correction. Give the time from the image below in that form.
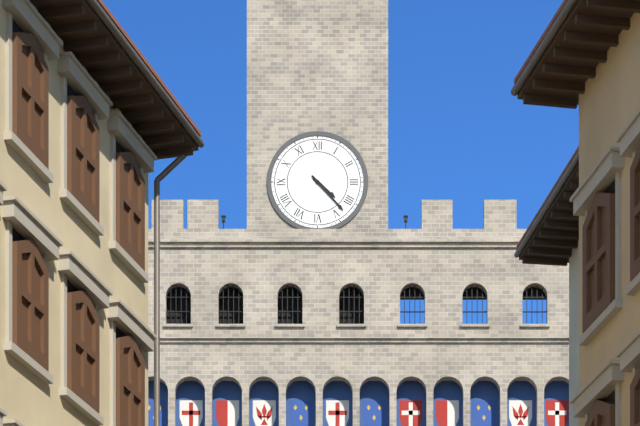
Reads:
4h23
